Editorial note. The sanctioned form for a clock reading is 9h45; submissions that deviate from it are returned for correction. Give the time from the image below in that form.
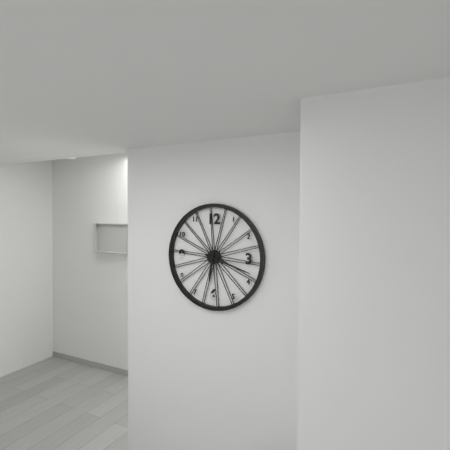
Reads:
6h18
